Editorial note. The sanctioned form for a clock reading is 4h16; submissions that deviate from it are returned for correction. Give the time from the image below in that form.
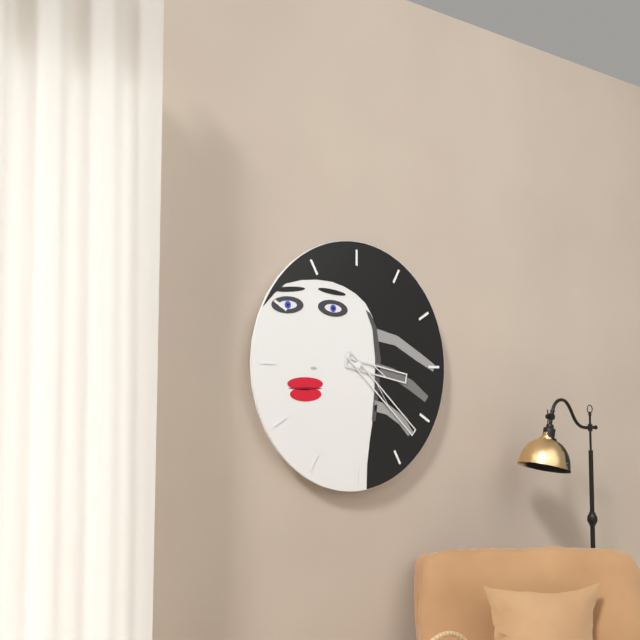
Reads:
3h22
